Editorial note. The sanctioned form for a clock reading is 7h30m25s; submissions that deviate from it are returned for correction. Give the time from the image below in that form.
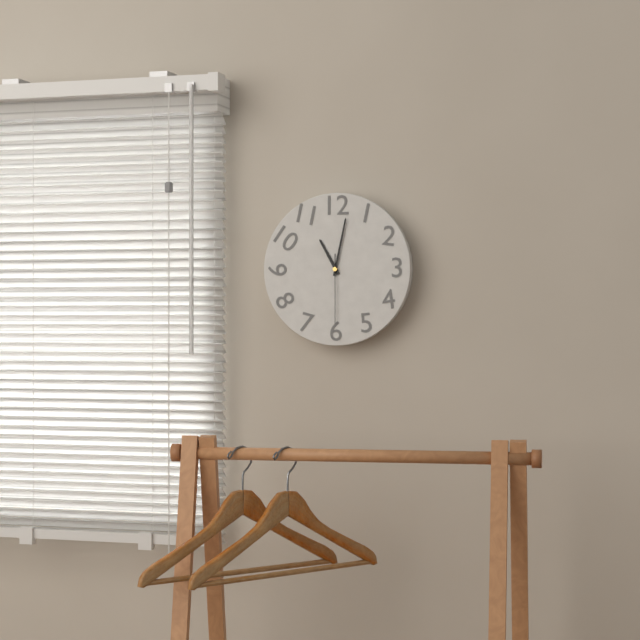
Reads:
11h02m30s
